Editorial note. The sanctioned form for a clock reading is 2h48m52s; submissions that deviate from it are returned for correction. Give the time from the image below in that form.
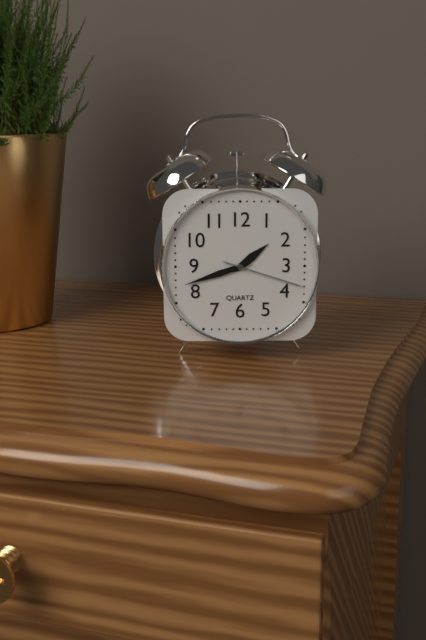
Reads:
1h42m18s
